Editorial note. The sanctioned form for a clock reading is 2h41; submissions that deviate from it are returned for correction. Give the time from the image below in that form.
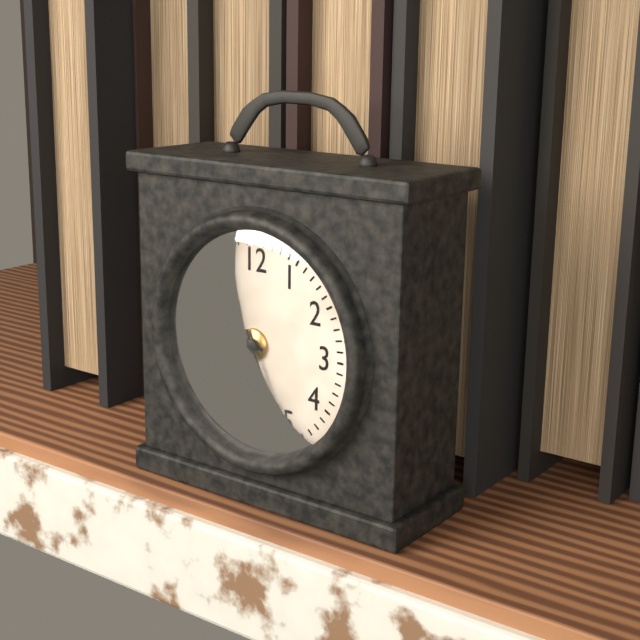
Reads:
9h26
